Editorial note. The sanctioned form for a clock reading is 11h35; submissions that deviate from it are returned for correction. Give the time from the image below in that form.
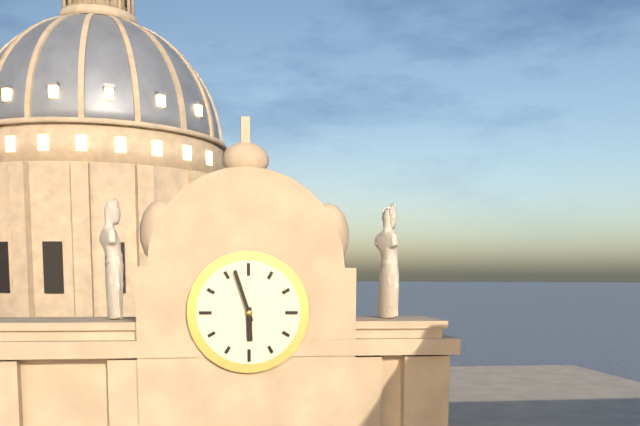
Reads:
5h57
